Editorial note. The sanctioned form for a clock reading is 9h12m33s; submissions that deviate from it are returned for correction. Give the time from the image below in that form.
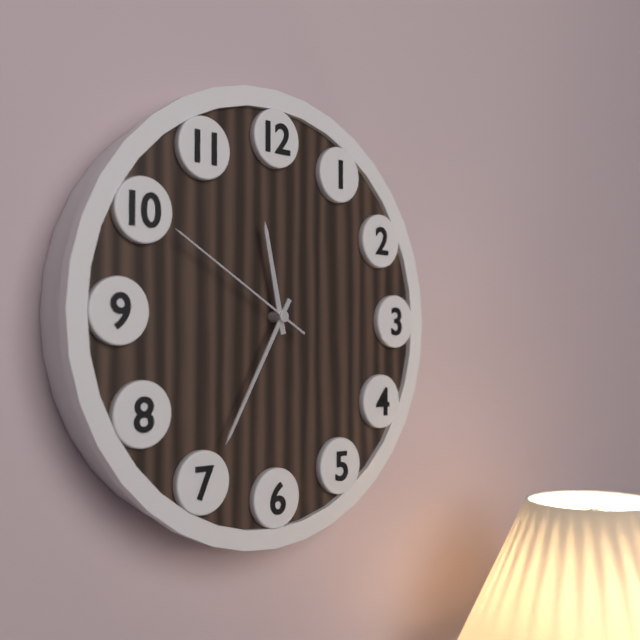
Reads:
11h35m50s
